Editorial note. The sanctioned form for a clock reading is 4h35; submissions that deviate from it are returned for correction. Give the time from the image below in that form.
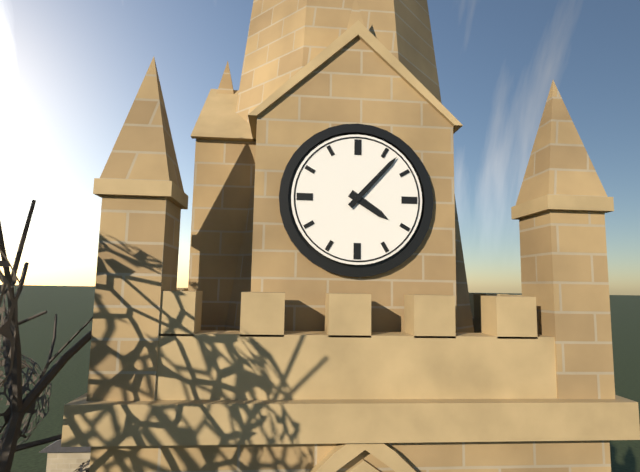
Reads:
4h07
